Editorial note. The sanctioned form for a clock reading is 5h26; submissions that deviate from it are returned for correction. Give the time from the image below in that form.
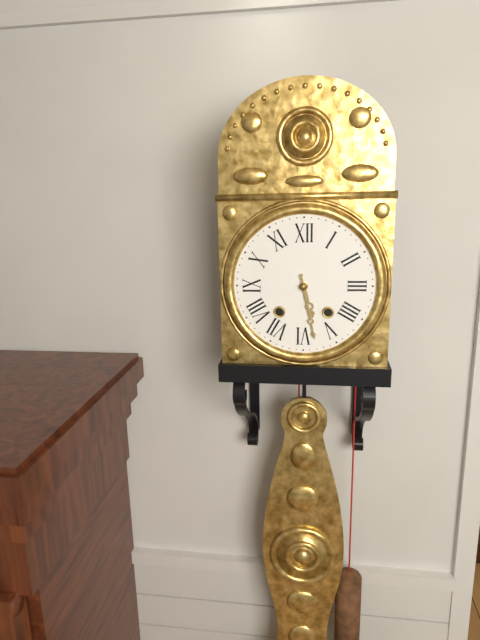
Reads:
5h28
